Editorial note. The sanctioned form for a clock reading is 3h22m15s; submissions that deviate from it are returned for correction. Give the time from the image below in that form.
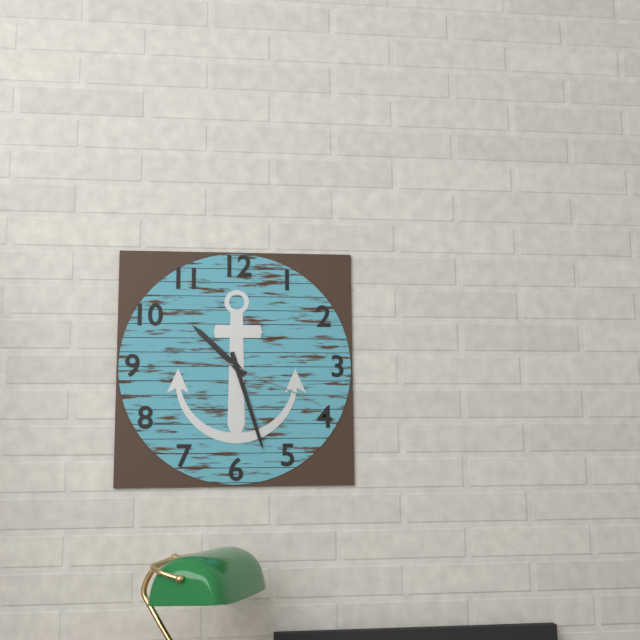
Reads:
10h27m19s
